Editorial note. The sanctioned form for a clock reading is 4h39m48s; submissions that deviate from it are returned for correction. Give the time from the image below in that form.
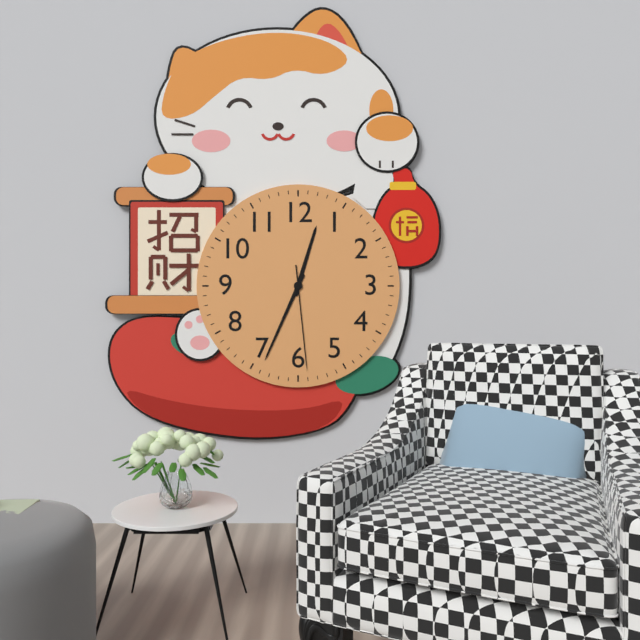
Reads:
12h34m29s
